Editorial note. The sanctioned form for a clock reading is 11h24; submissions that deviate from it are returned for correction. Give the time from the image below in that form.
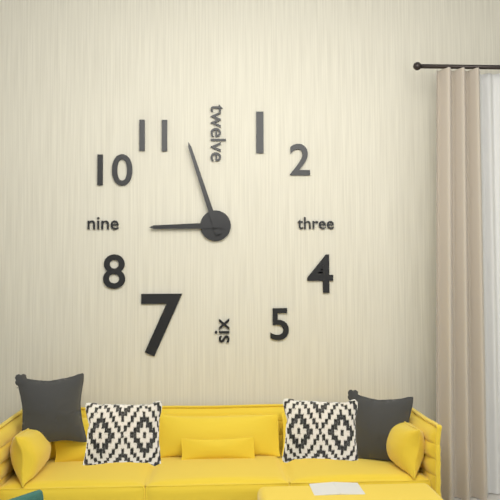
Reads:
8h57
